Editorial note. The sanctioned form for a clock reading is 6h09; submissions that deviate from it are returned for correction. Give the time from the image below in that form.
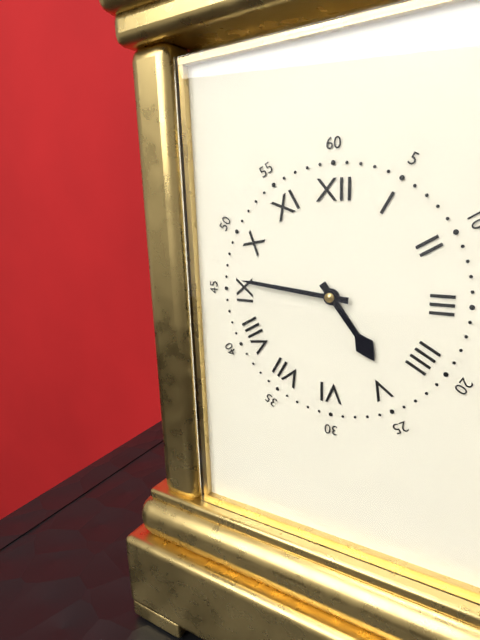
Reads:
4h46
